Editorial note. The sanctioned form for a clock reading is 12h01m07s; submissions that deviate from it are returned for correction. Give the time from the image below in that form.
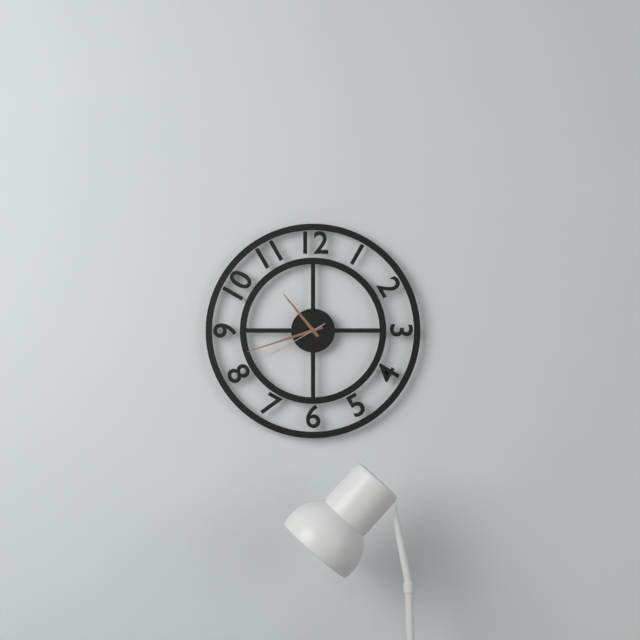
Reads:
10h42m40s
